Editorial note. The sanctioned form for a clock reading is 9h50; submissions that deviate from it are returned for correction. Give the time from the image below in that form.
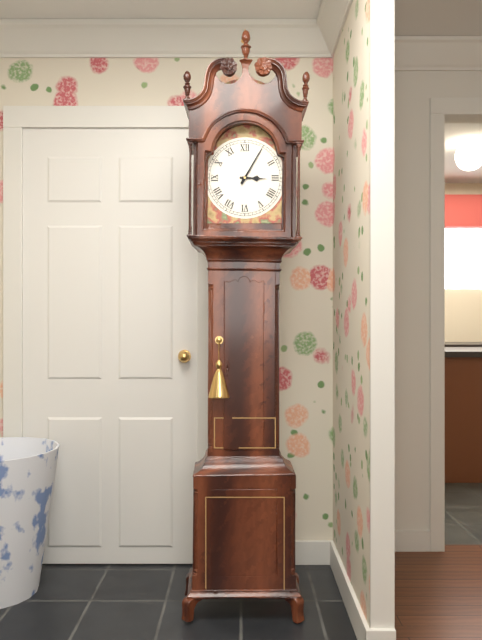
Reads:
3h05
